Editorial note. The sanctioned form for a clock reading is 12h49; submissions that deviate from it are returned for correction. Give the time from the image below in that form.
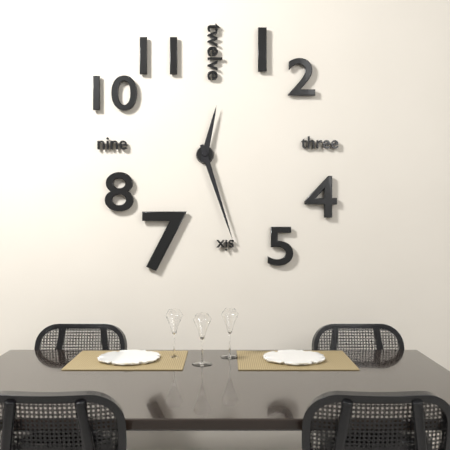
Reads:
12h27
